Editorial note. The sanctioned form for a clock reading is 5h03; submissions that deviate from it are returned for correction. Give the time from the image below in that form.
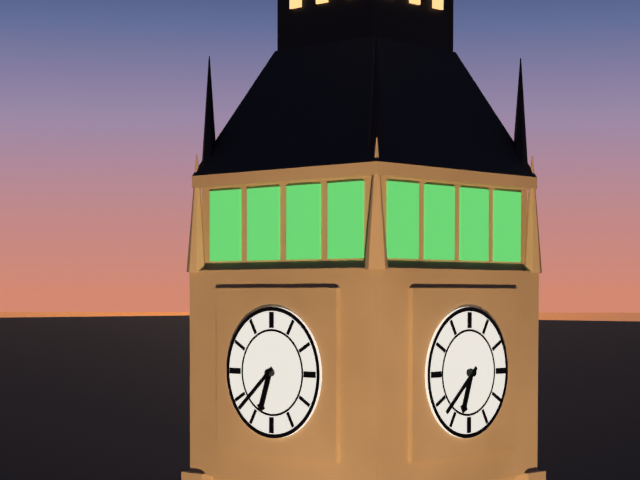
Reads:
6h38
